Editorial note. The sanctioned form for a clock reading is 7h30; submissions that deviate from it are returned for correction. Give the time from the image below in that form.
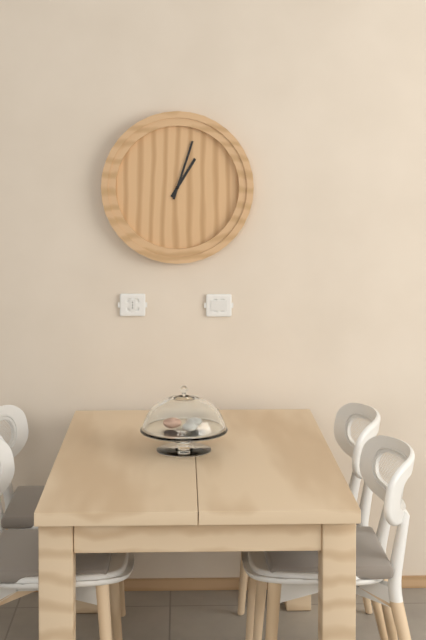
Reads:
1h03
